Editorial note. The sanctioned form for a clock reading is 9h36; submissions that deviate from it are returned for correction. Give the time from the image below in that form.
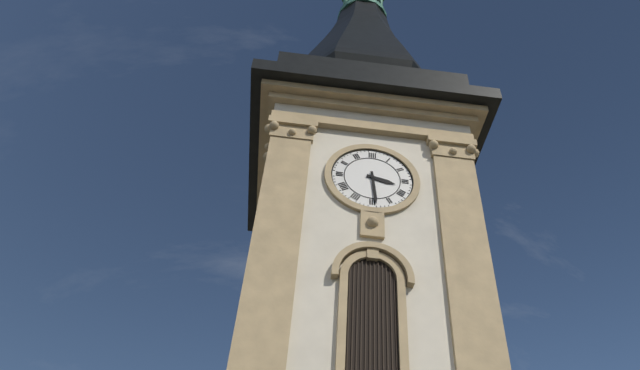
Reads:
3h29
